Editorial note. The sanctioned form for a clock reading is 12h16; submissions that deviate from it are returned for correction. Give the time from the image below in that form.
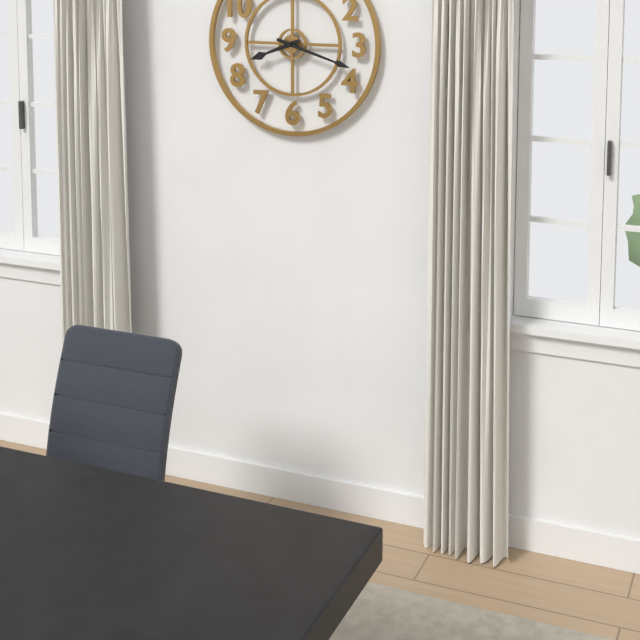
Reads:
8h18
